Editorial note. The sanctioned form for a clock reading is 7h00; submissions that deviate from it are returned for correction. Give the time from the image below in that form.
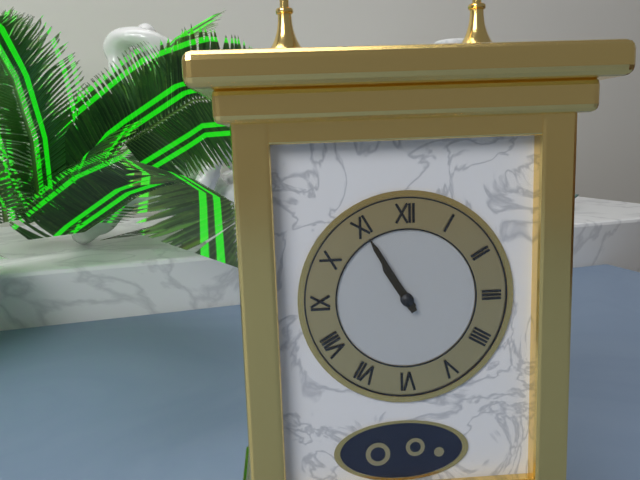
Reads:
10h55
